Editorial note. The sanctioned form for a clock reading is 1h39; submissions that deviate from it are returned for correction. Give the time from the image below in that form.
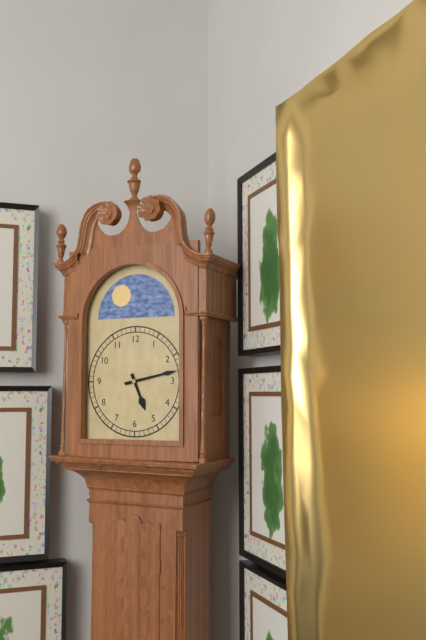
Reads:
5h13
